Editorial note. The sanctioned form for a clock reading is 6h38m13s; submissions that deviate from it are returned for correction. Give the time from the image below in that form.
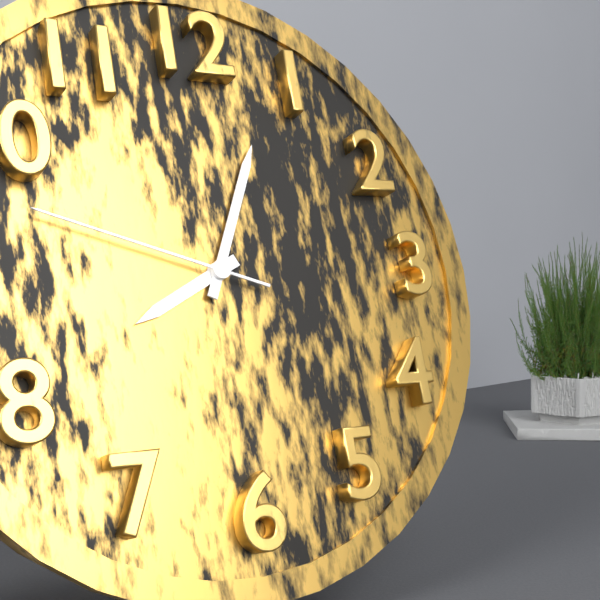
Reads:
8h04m48s
